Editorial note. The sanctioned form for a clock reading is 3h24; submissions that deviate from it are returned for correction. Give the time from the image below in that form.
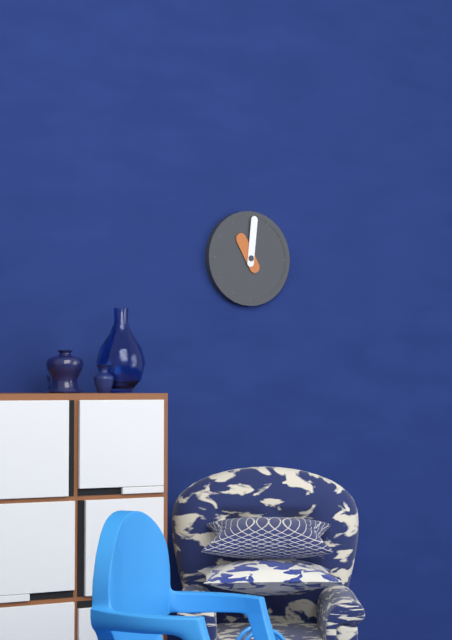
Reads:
11h01
